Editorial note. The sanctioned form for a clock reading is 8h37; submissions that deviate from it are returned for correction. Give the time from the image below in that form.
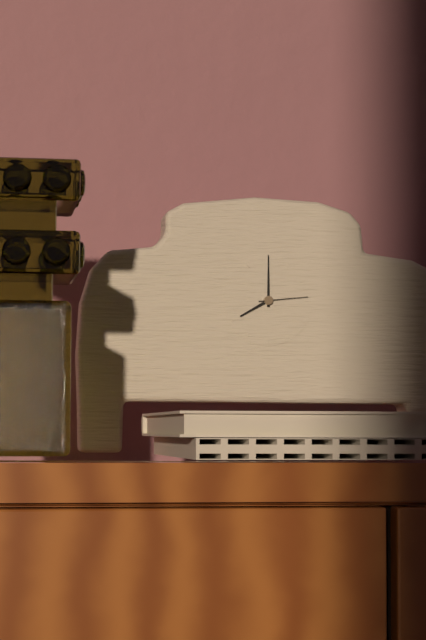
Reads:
8h00
